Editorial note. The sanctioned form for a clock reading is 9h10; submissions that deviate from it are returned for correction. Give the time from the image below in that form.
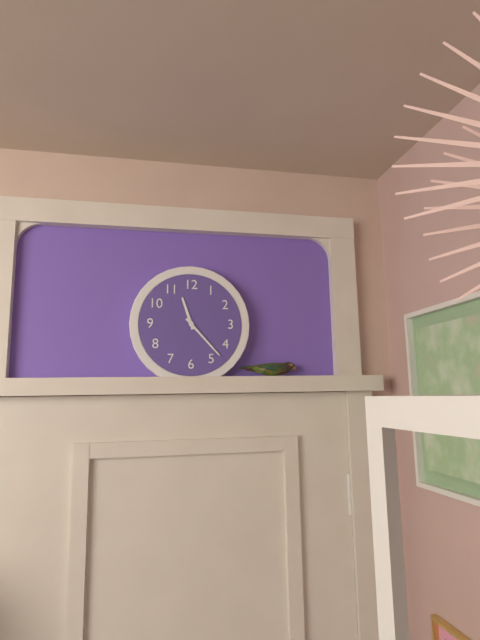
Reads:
11h23
